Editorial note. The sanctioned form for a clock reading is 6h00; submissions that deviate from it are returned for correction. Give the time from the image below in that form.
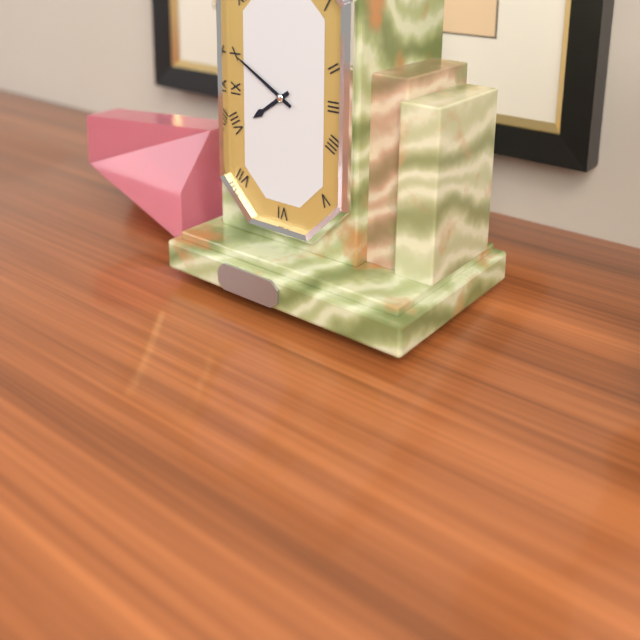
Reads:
7h50
